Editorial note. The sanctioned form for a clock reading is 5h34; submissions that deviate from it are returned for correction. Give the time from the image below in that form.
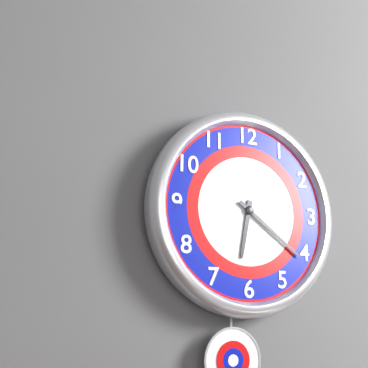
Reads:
6h21
